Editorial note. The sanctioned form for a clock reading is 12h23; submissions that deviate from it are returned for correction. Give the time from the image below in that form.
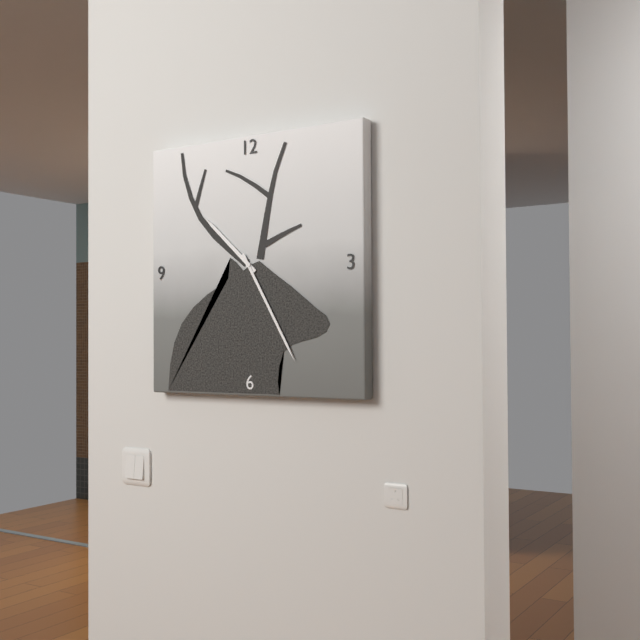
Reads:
10h25
